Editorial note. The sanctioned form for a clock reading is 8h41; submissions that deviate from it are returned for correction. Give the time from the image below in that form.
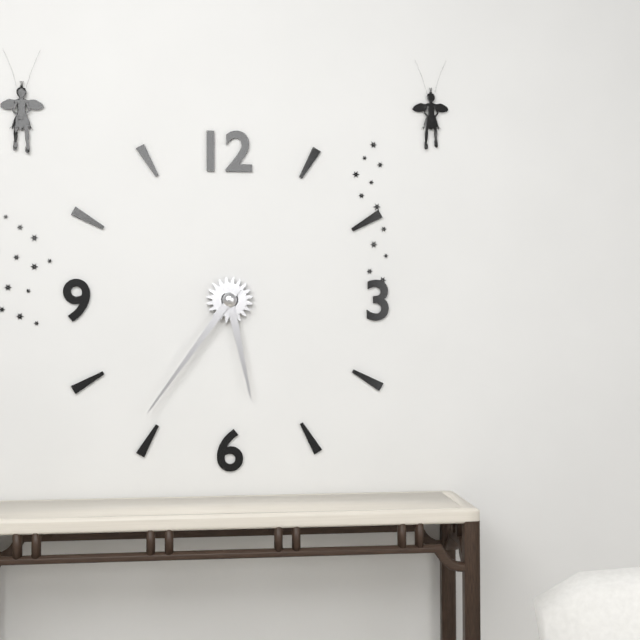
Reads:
5h36
